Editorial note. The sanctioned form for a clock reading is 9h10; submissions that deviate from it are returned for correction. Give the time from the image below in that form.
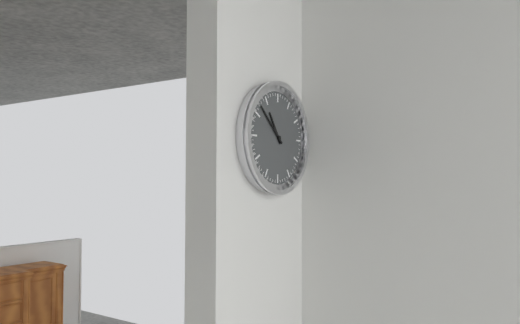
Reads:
10h52
